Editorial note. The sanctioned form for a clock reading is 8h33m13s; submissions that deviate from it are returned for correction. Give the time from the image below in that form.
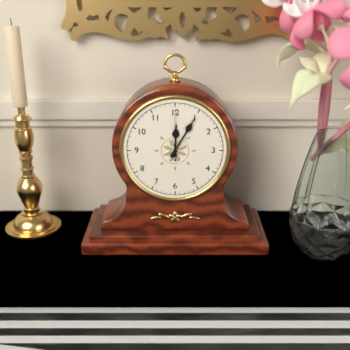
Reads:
12h05m00s
